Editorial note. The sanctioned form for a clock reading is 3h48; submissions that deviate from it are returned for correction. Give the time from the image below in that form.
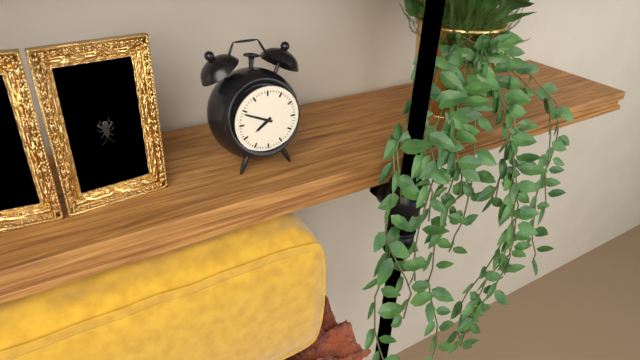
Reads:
7h49
